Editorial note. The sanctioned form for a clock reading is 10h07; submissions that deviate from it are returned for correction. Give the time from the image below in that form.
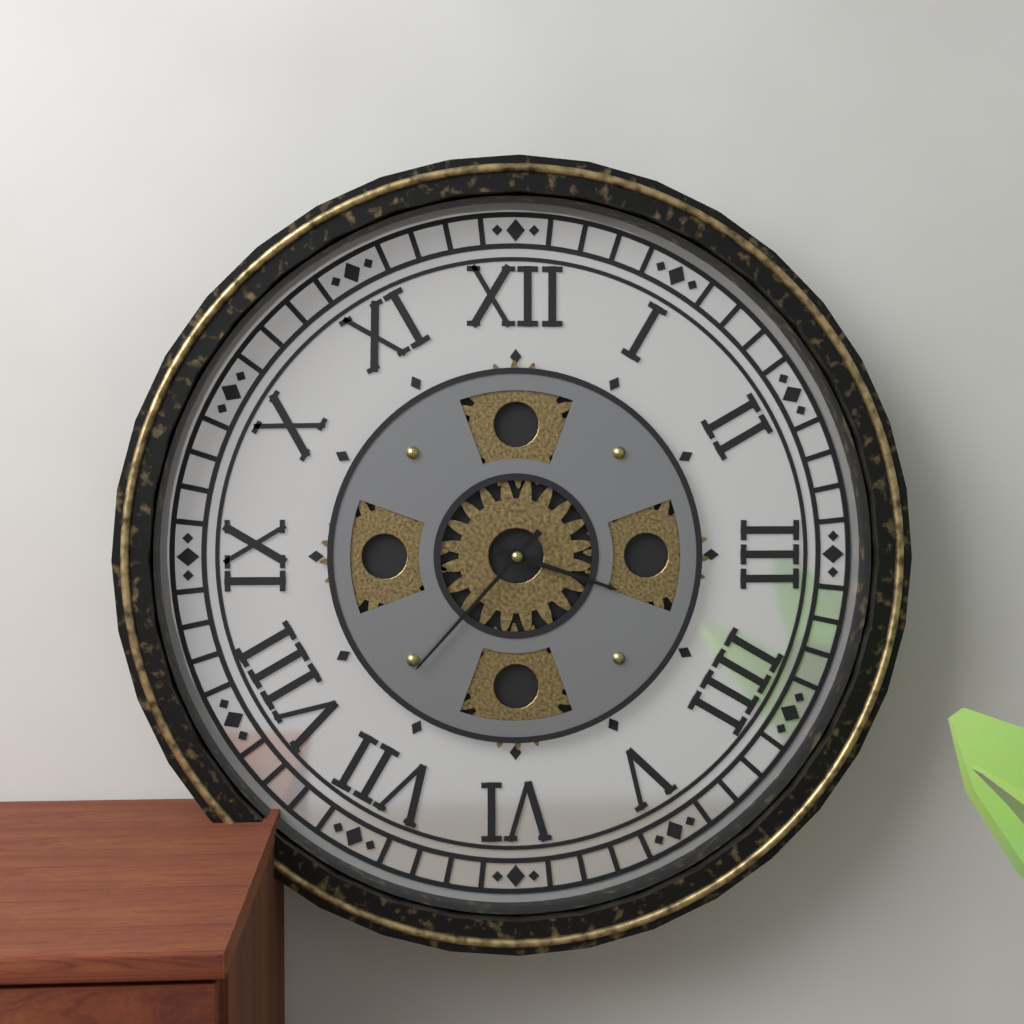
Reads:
3h37
